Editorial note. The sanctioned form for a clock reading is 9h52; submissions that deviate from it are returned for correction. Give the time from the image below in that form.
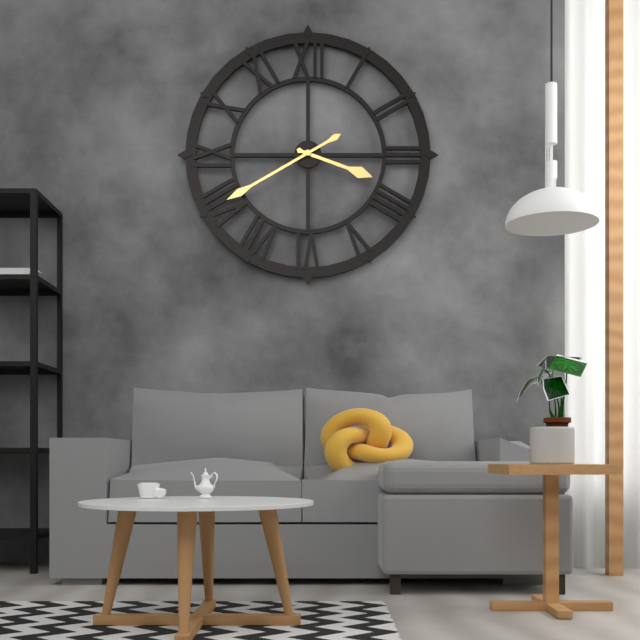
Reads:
3h40
